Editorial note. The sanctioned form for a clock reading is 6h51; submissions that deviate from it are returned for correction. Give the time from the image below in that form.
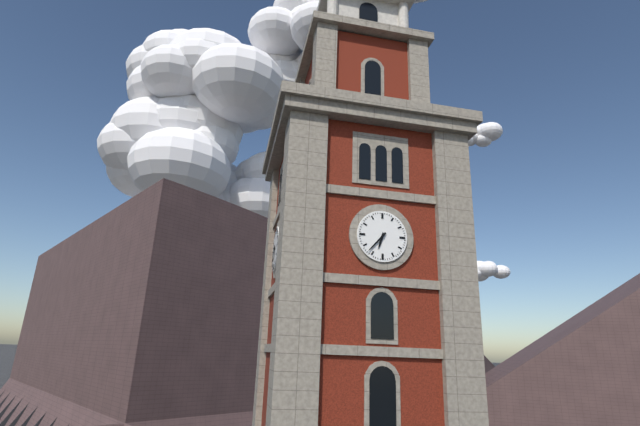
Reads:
6h37
